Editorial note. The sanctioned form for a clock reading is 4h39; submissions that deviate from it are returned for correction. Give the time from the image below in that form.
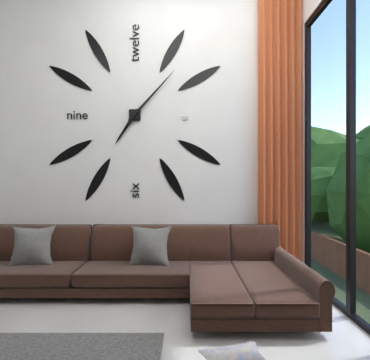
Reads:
7h07
